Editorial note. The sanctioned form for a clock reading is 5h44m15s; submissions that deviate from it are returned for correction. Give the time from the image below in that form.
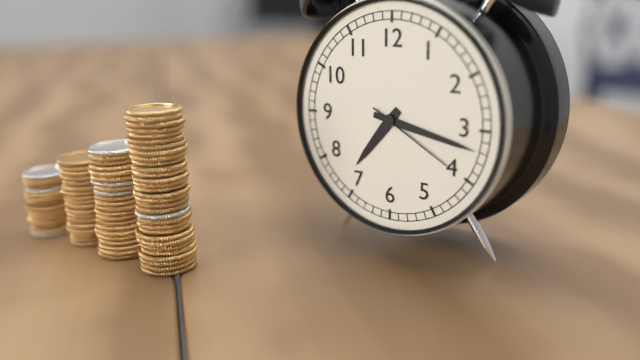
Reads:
7h17m20s
